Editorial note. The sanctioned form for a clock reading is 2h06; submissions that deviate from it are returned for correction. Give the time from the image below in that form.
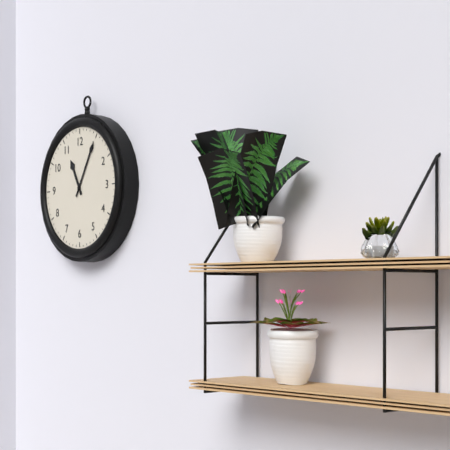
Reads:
11h05
